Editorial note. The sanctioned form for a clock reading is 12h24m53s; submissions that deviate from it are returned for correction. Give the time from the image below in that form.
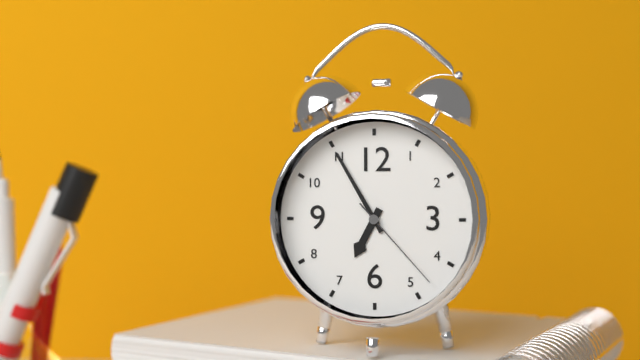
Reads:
6h55m23s
